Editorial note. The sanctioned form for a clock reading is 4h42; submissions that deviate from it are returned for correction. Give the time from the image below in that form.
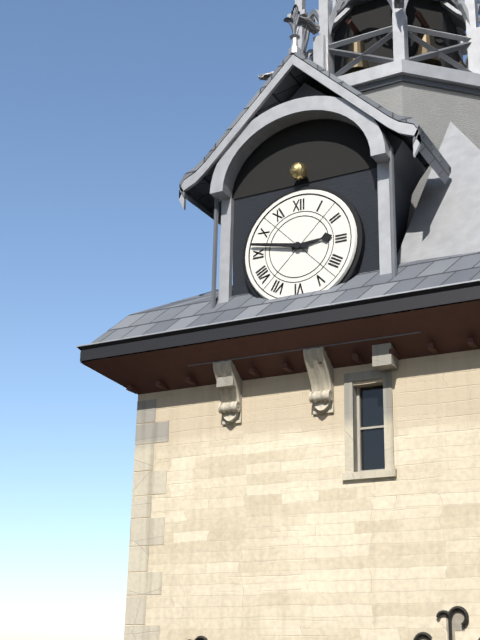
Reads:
2h47
